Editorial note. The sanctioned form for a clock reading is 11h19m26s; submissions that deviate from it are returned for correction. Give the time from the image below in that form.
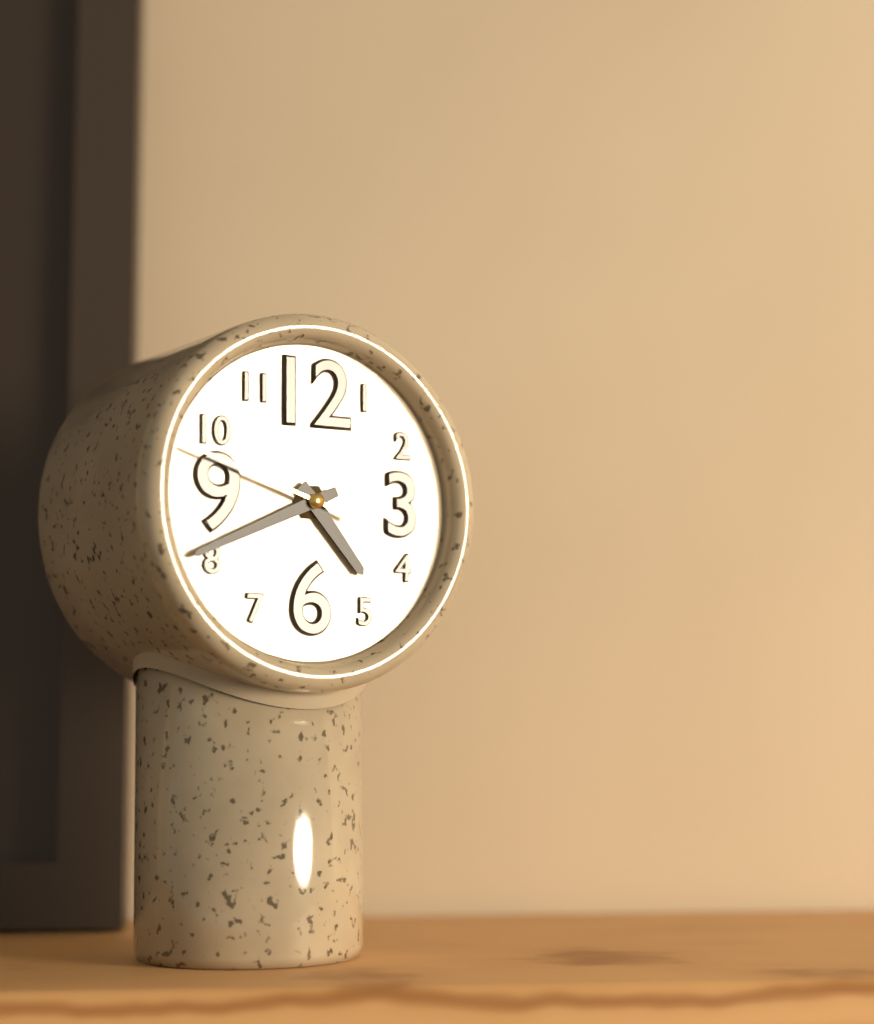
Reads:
4h41m48s
